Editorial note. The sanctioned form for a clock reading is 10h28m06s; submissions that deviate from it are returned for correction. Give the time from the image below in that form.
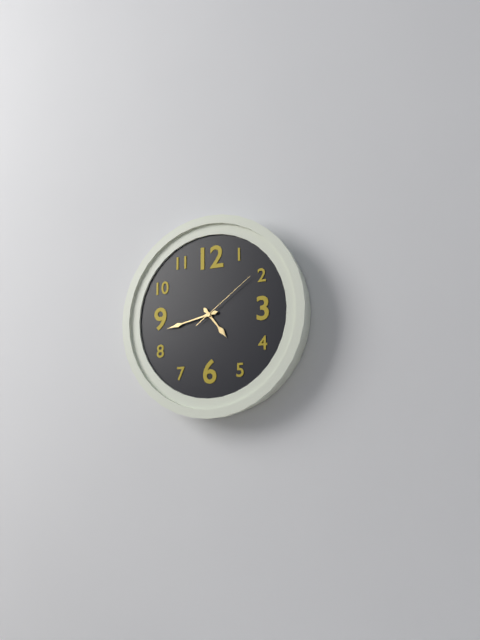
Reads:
4h43m09s
